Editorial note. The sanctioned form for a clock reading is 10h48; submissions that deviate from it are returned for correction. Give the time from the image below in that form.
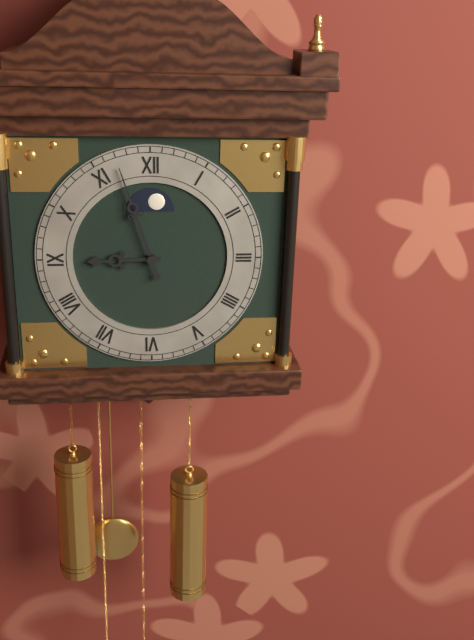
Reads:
8h57
